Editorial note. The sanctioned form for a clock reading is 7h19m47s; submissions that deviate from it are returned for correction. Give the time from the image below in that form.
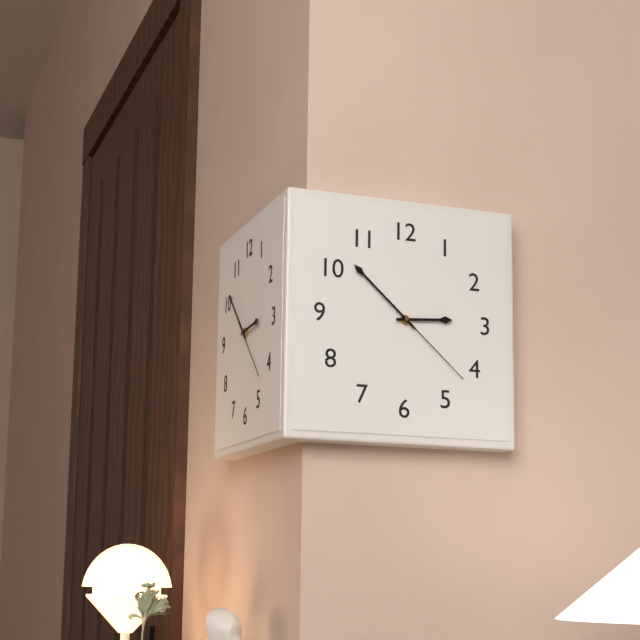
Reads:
2h52m22s
